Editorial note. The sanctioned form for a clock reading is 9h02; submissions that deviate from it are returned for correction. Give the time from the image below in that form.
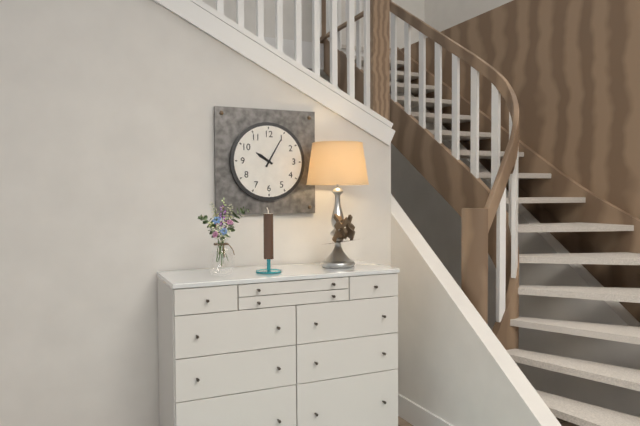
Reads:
10h05
